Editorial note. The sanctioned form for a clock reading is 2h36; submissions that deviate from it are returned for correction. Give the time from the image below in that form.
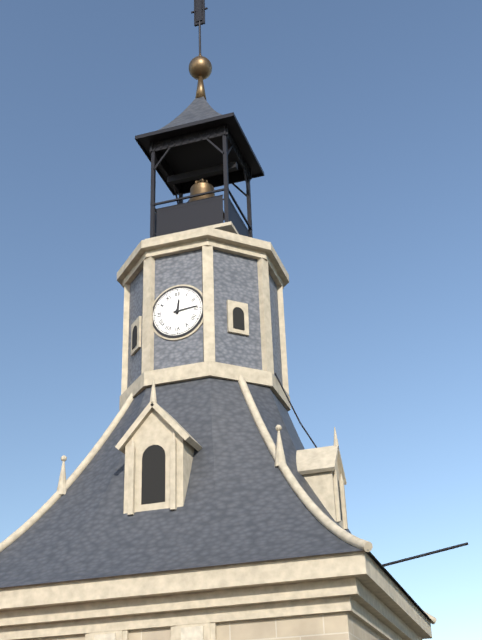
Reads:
12h14
